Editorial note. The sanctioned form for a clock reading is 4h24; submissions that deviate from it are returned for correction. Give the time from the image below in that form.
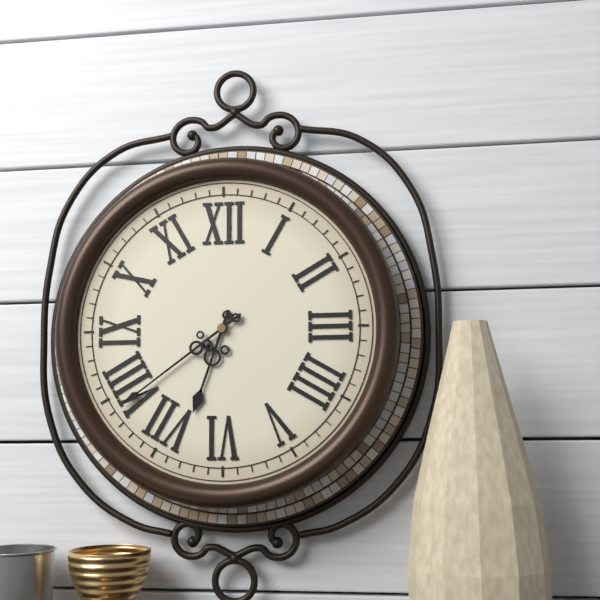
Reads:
6h39
